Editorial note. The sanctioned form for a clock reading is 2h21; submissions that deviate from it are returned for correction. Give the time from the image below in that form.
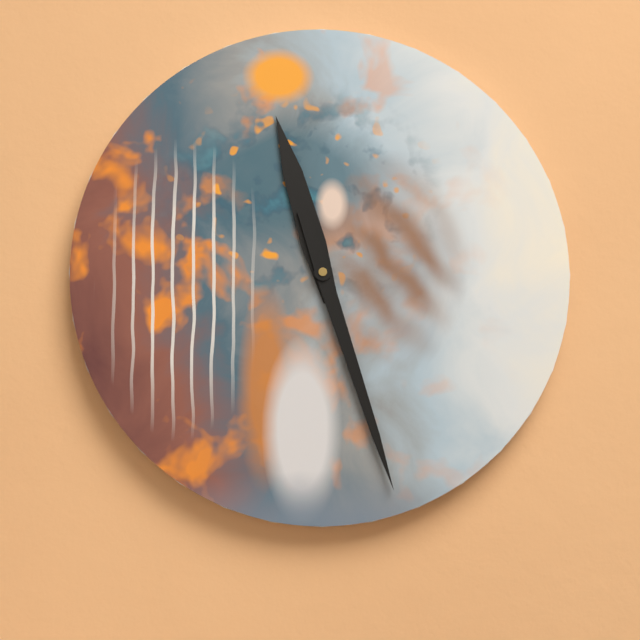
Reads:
11h27
